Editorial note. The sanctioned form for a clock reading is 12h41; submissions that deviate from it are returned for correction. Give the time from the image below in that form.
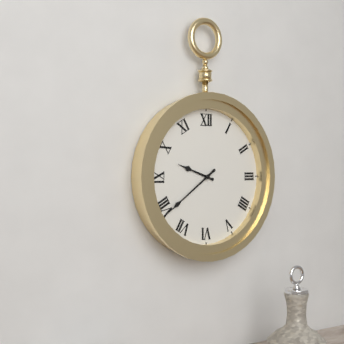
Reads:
9h39
